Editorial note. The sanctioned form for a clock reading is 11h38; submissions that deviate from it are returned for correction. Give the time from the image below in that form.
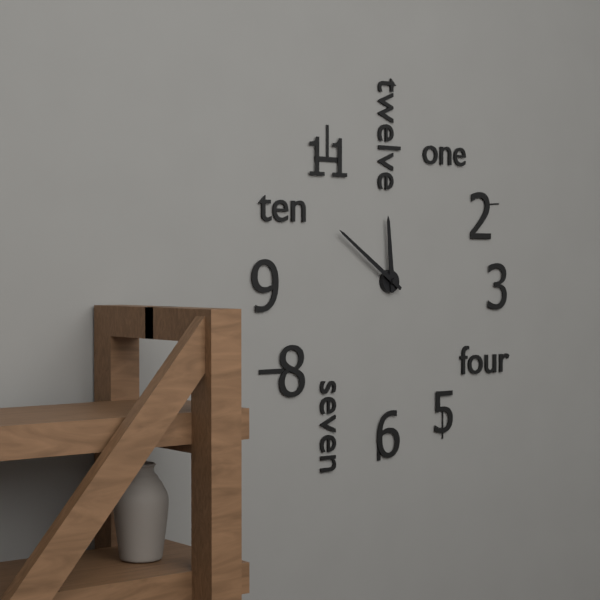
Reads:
11h51
